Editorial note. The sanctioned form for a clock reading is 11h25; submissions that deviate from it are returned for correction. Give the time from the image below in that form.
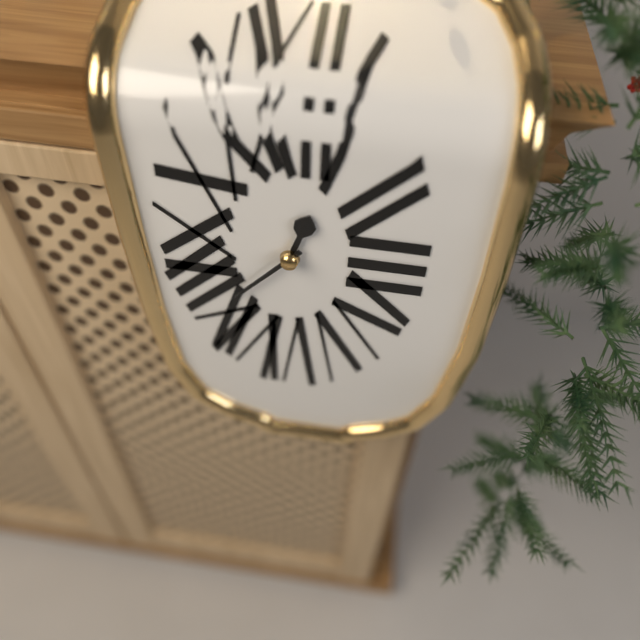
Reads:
12h37
